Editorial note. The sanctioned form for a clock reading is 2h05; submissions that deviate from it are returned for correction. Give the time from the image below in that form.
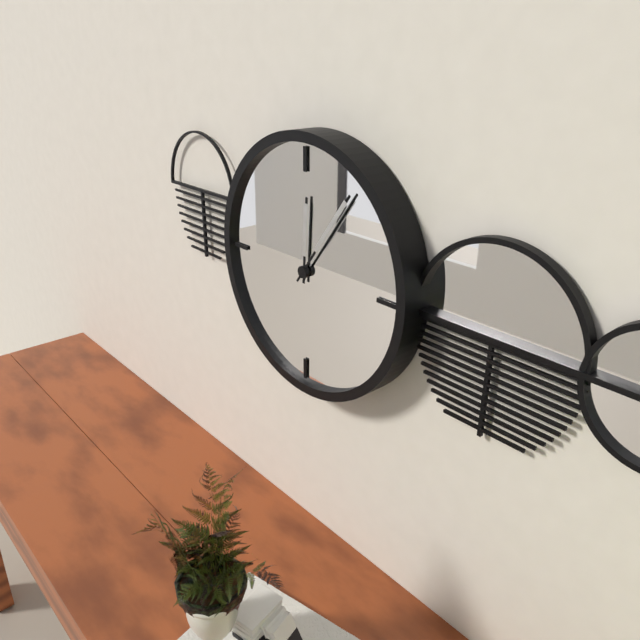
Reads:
12h06
